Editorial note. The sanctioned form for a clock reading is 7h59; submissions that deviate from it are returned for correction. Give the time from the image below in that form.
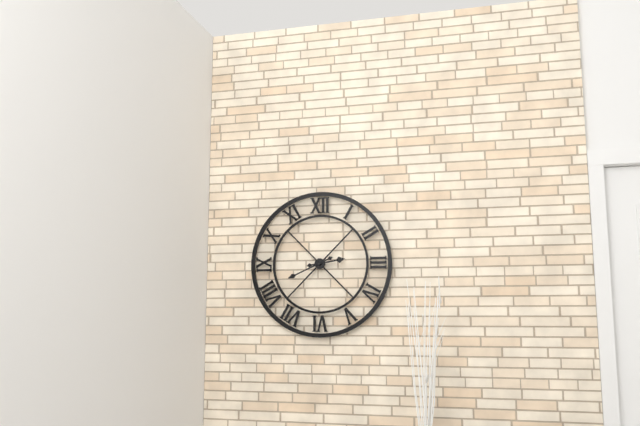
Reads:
2h41
